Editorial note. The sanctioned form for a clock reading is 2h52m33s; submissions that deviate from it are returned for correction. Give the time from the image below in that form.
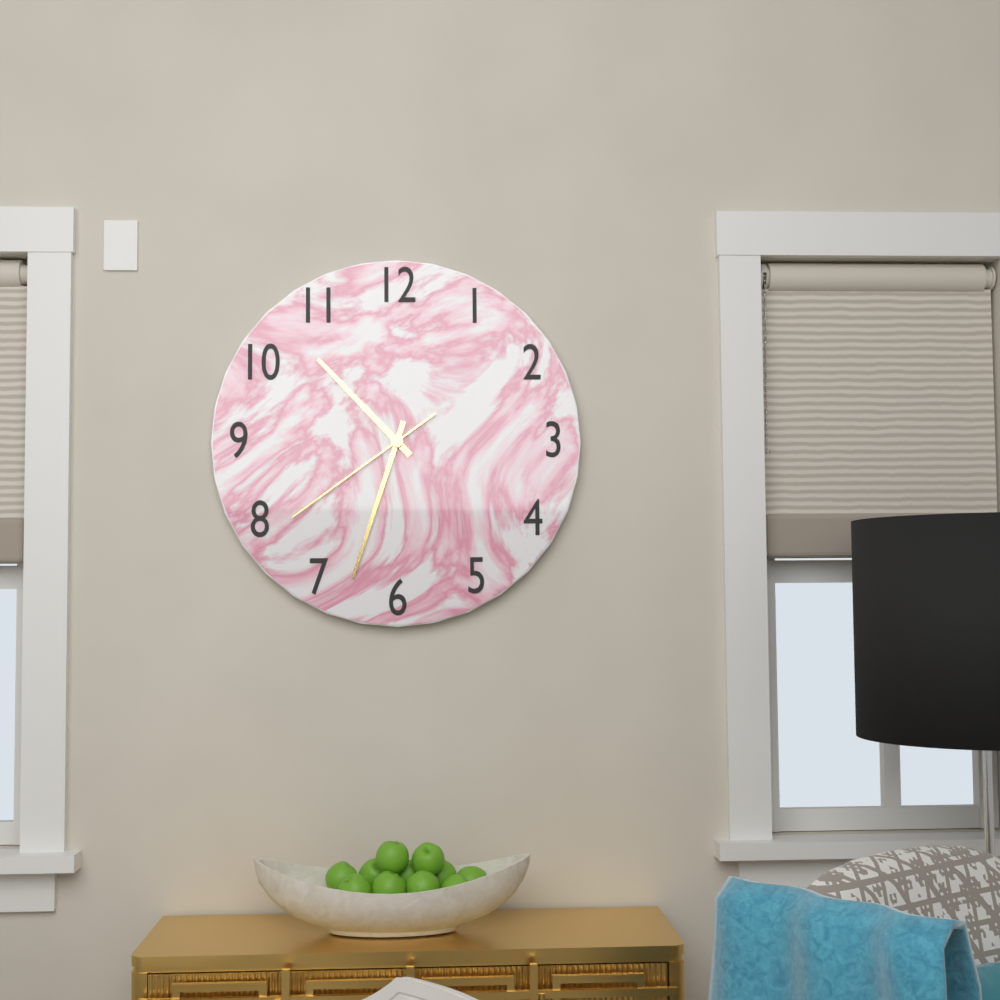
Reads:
10h33m39s
